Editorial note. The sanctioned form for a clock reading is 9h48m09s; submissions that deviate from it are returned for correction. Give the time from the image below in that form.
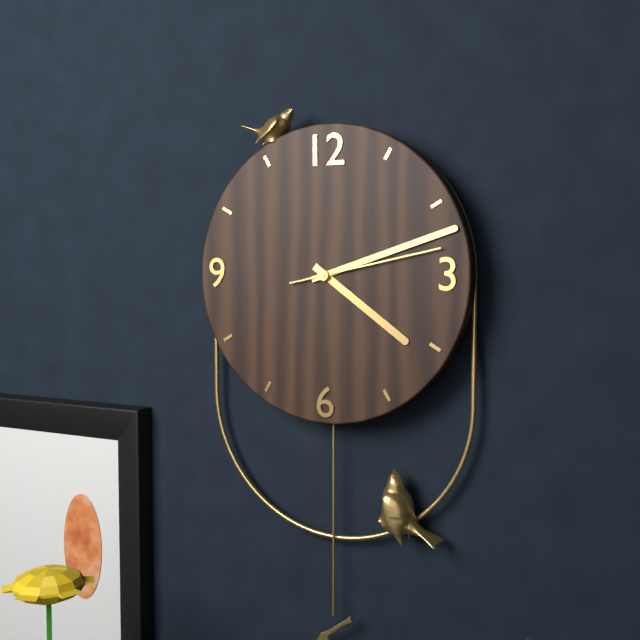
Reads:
4h12m13s
